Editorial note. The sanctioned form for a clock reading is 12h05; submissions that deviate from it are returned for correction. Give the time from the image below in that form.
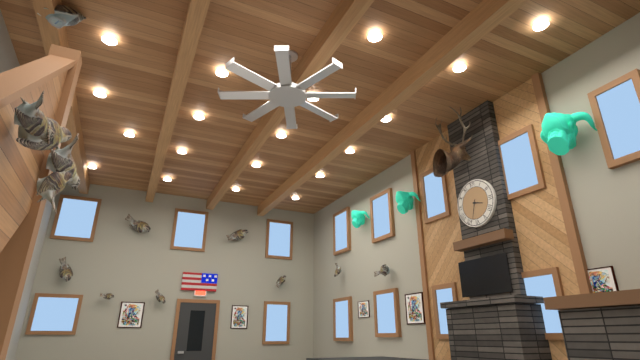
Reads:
3h33
